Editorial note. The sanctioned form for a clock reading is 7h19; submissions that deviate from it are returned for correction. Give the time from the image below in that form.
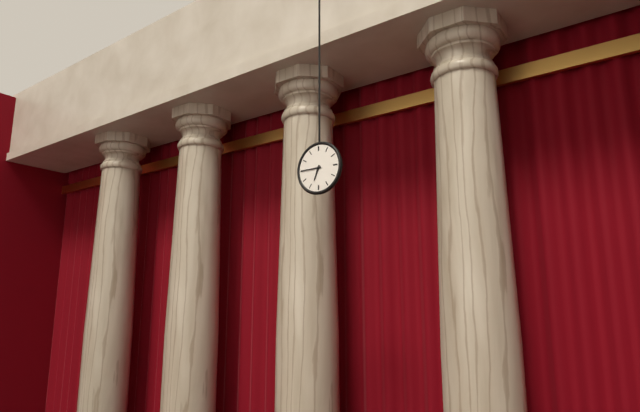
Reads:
6h45
